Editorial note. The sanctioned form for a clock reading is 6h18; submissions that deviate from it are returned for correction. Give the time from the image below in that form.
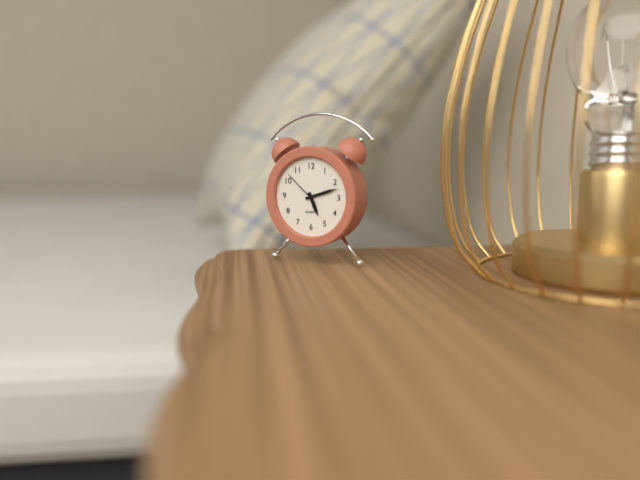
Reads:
5h12
